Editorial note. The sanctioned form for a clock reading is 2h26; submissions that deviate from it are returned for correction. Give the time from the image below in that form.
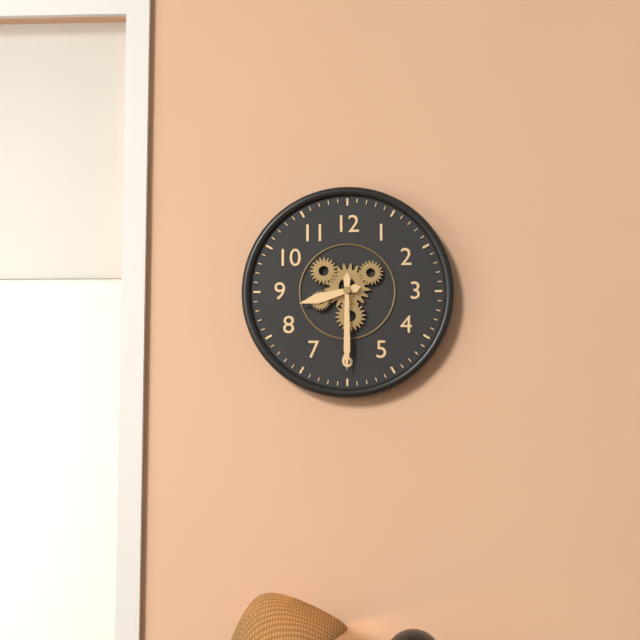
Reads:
8h30
